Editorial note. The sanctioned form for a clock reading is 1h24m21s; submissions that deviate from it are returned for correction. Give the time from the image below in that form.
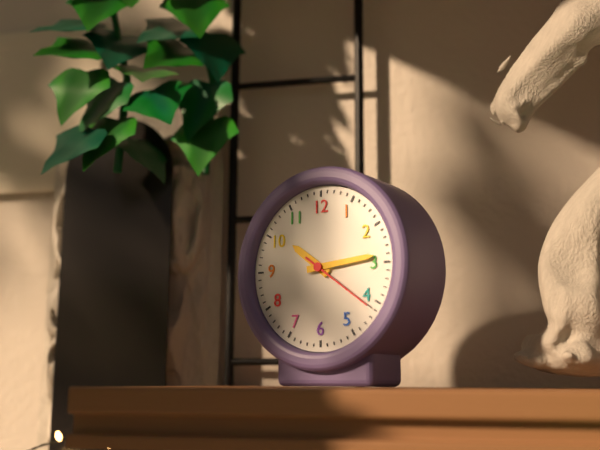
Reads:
10h14m21s
